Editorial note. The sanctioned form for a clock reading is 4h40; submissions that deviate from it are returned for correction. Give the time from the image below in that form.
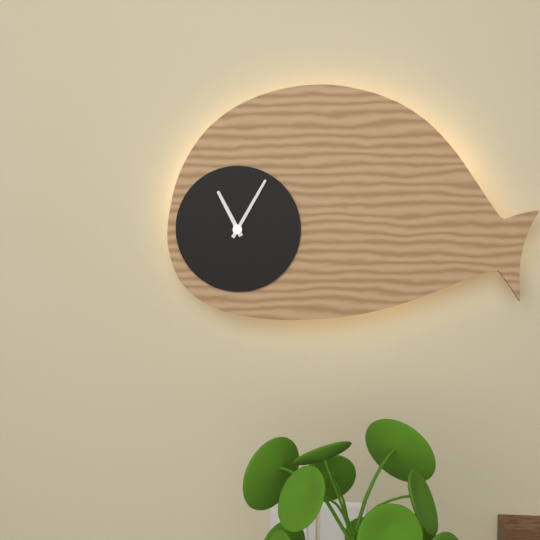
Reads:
11h05
